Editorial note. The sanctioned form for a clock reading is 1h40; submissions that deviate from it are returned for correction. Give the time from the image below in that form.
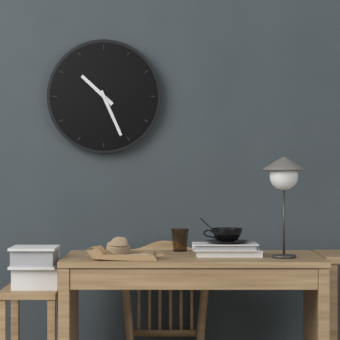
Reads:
10h26
